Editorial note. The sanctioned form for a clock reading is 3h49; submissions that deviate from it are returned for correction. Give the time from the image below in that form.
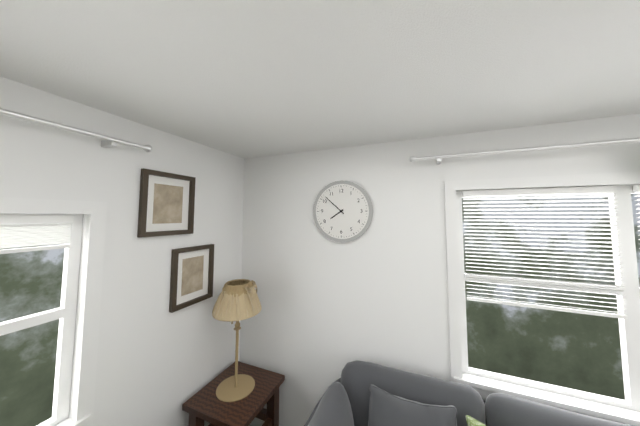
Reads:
7h52
